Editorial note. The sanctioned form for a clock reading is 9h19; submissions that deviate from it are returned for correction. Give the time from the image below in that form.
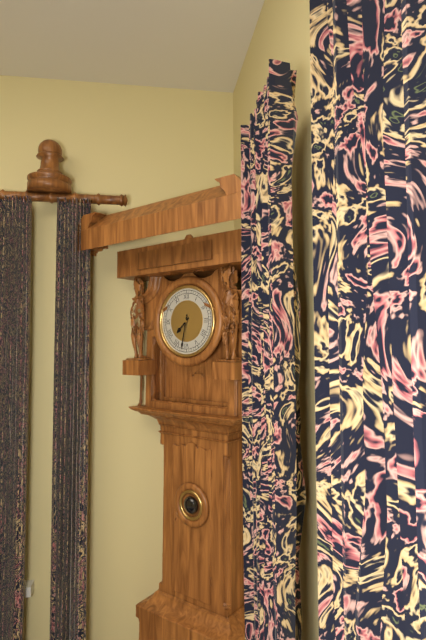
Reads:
7h32
